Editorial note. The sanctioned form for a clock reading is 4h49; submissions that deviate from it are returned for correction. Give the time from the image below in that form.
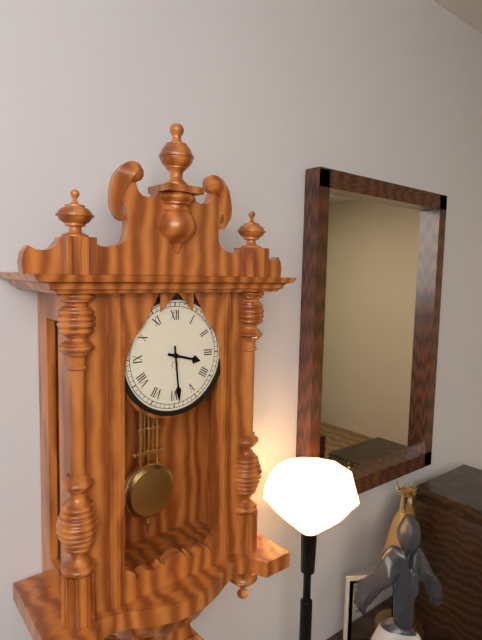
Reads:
3h29
